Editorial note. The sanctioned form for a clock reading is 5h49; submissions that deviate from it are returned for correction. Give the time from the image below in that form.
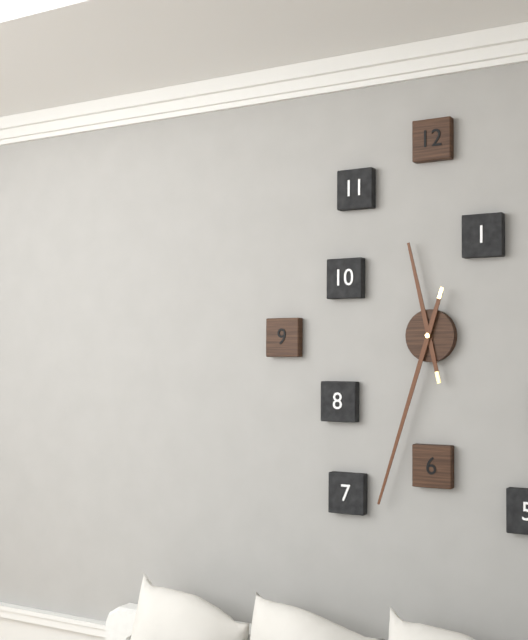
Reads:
11h33
